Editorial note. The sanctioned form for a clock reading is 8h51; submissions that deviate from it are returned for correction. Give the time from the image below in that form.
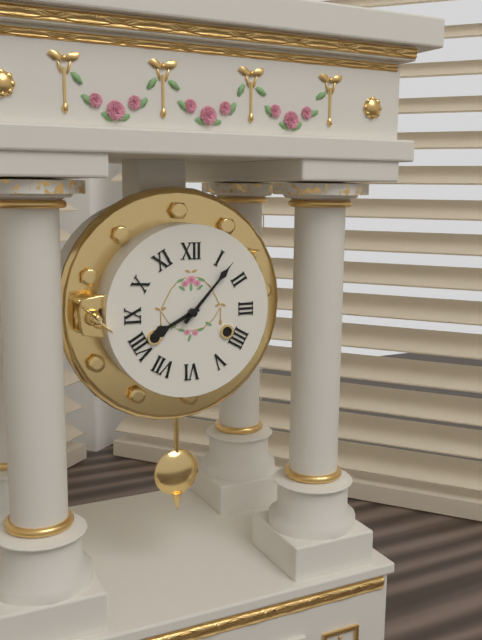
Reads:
8h07
